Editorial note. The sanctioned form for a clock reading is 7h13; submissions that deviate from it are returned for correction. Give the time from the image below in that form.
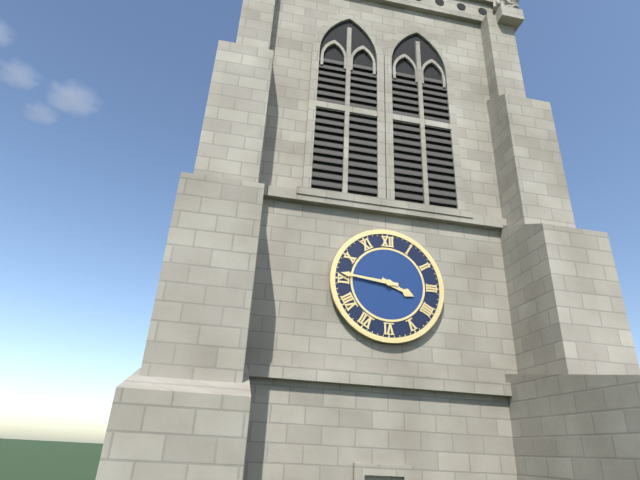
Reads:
3h46
